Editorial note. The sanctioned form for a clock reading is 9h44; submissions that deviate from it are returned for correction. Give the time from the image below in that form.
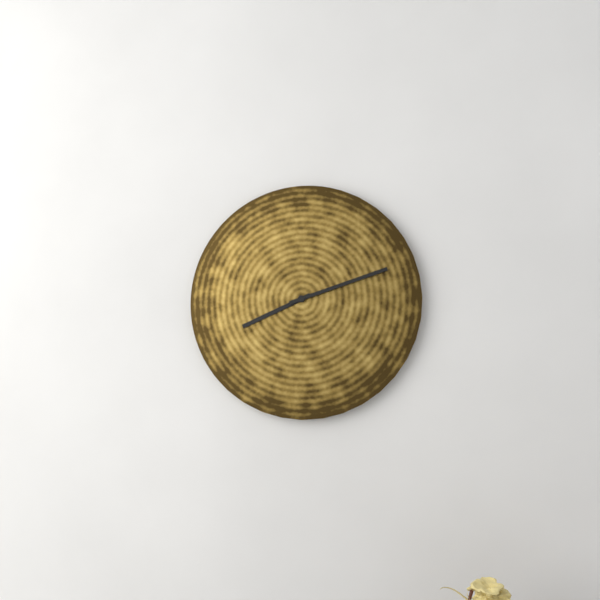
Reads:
8h12
